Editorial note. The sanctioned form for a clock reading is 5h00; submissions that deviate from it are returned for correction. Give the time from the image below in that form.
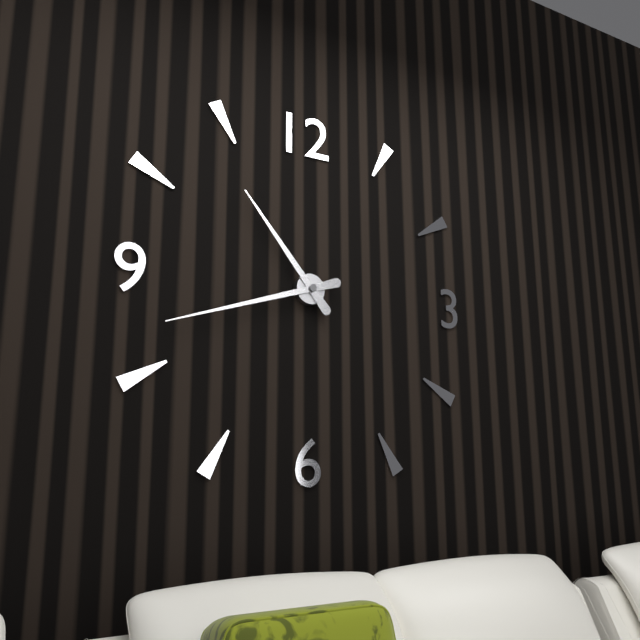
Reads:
10h42
